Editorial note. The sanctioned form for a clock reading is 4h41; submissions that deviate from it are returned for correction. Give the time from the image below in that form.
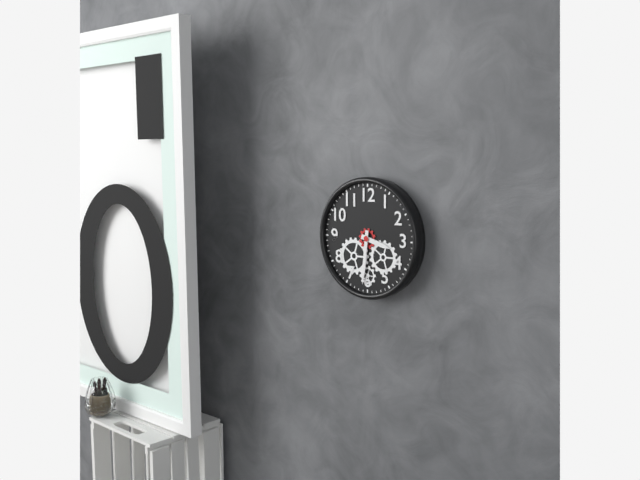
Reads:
3h31
